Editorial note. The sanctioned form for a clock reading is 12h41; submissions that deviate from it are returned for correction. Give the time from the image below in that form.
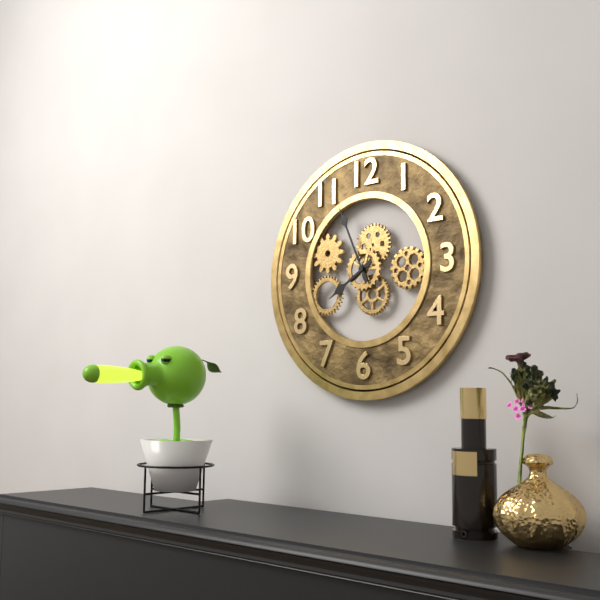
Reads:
7h56
